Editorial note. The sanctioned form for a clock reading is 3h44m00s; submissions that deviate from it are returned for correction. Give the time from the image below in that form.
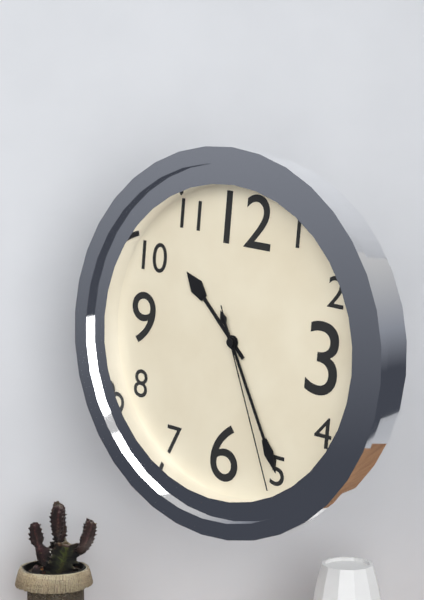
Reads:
10h25m26s
